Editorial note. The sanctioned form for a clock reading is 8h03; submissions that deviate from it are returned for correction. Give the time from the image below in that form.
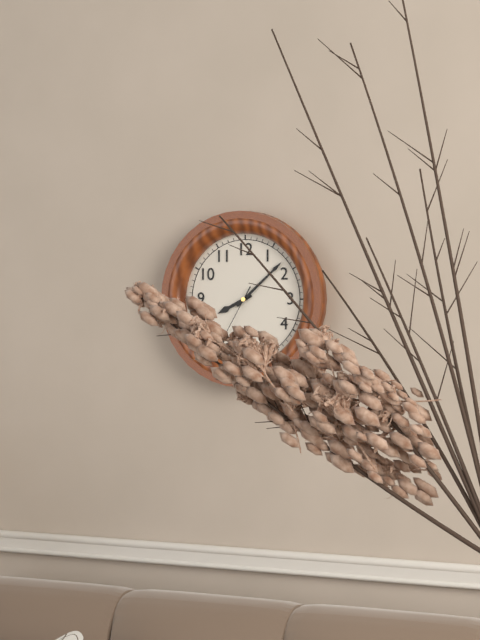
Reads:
8h08
